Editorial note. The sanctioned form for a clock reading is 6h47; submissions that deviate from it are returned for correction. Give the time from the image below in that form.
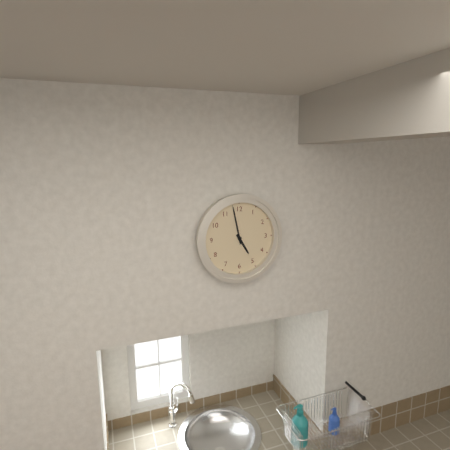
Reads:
4h58
